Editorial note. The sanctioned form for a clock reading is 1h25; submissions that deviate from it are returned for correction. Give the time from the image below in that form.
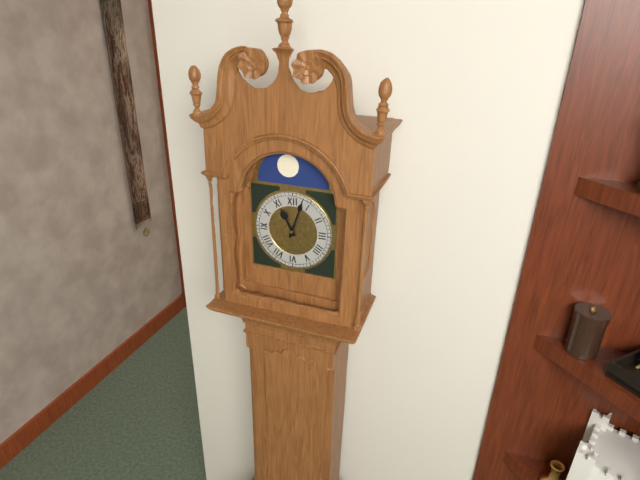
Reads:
11h03
